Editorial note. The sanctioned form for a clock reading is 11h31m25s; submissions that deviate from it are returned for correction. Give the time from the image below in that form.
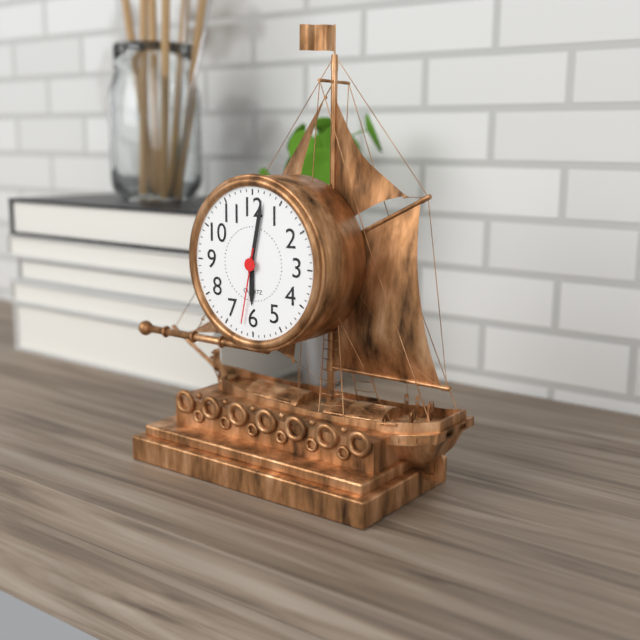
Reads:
6h02m32s
